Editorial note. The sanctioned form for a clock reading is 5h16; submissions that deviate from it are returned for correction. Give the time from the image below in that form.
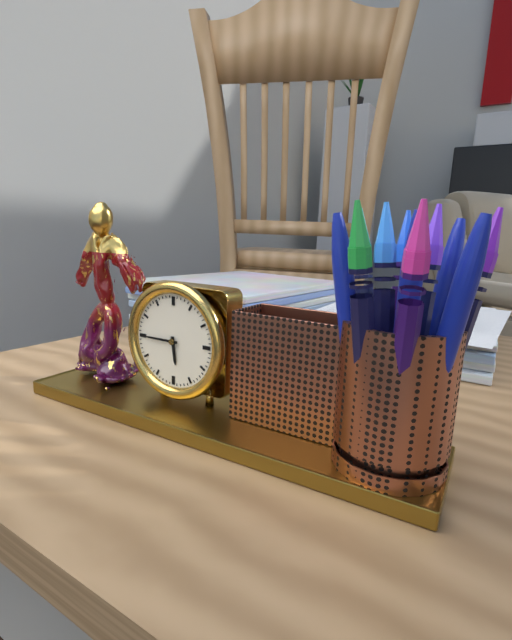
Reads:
5h45
